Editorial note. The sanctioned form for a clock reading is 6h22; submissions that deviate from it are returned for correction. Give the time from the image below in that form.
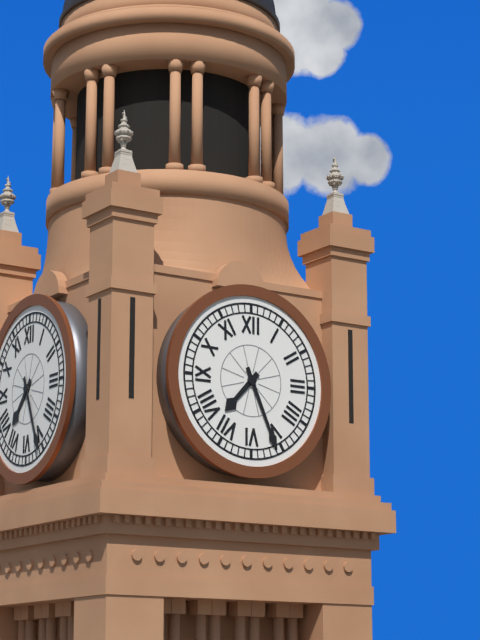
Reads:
7h26
